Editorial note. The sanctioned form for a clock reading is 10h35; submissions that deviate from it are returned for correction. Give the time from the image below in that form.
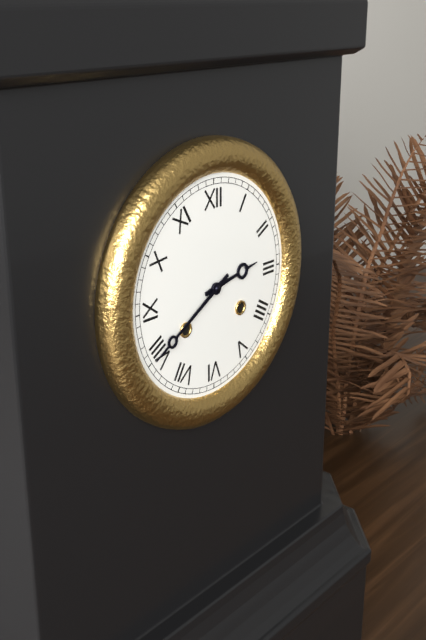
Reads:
2h40
